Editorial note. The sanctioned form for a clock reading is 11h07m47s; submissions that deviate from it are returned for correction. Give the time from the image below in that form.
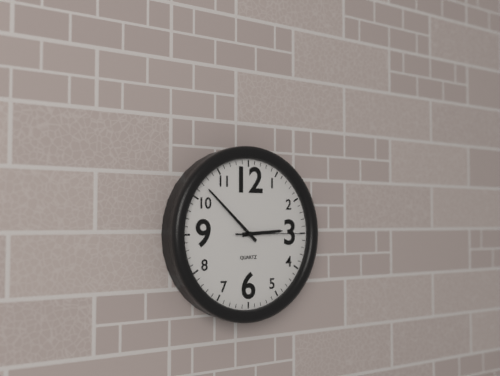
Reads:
2h52m15s
